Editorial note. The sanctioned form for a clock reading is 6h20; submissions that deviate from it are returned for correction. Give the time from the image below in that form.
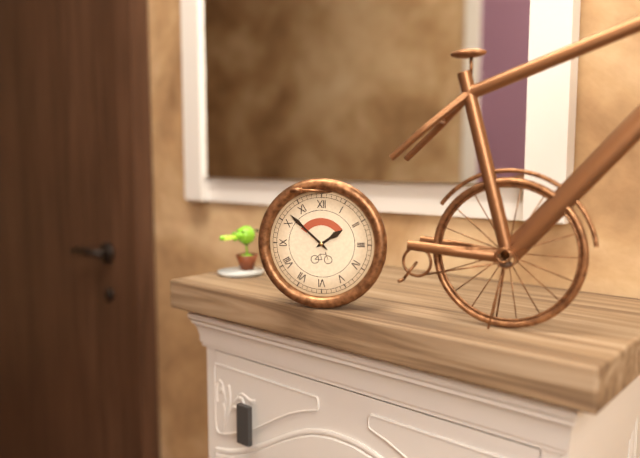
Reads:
1h52
